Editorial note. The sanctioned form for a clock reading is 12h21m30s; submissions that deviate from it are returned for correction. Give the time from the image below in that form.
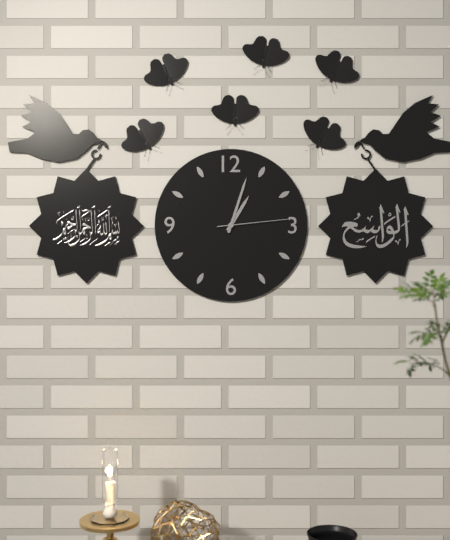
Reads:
1h03m14s
